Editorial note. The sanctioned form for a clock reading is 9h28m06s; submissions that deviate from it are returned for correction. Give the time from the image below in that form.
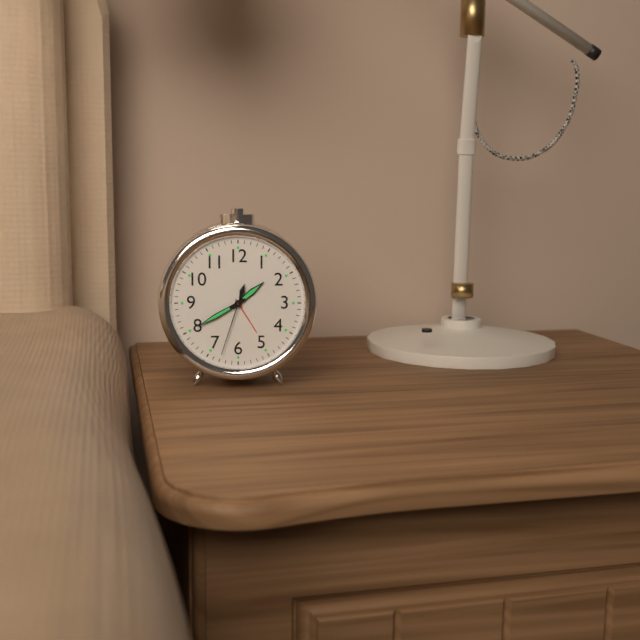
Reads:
1h40m33s
